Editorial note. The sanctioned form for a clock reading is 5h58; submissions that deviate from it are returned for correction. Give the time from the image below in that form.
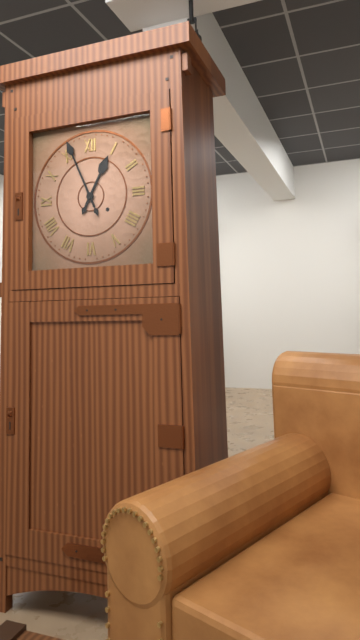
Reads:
12h56
